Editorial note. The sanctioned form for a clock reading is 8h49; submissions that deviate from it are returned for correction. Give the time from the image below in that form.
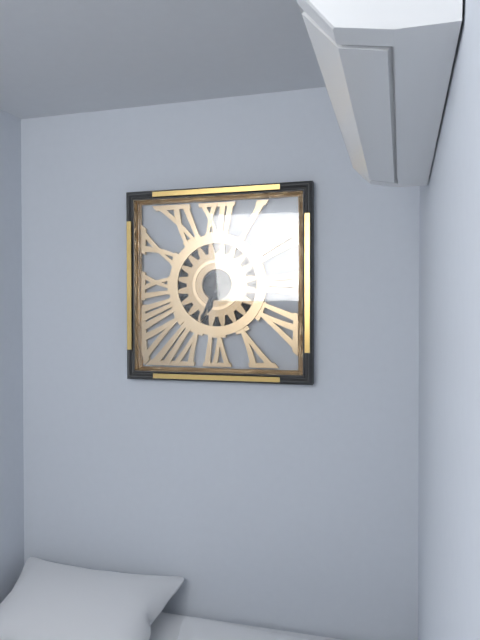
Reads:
6h34
